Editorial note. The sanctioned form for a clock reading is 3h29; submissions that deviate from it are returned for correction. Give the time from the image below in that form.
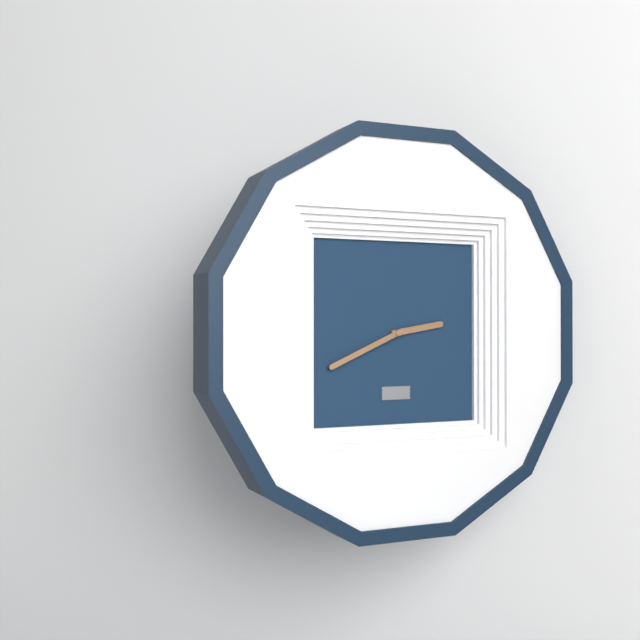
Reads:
2h41
